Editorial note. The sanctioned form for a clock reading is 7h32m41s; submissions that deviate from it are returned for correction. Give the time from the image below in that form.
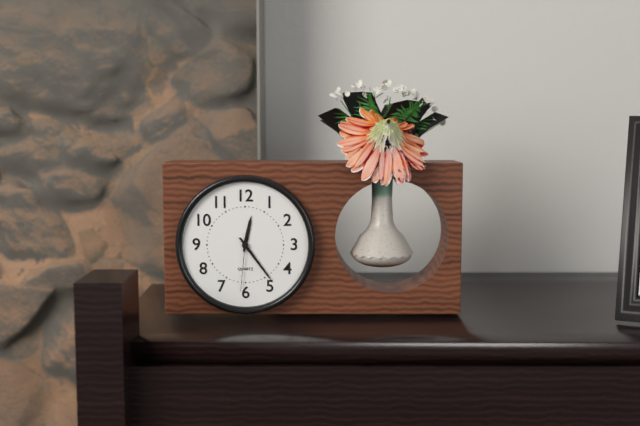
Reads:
12h24m31s
